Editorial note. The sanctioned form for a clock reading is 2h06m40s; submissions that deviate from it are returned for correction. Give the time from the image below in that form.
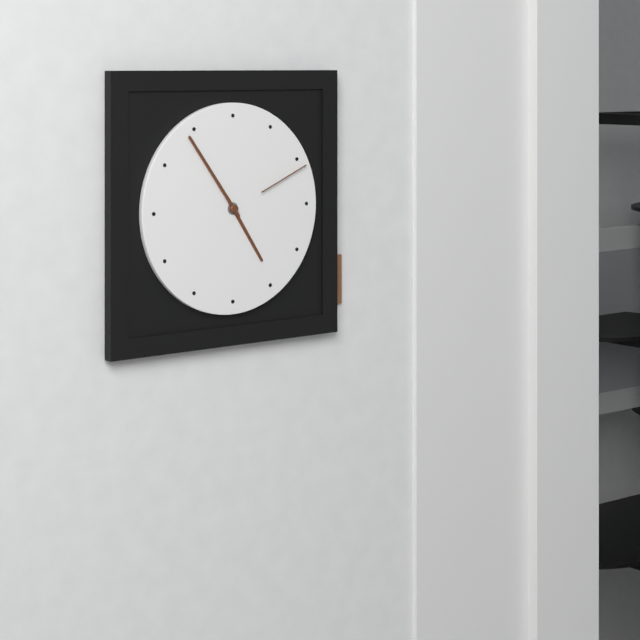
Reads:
4h54m11s
